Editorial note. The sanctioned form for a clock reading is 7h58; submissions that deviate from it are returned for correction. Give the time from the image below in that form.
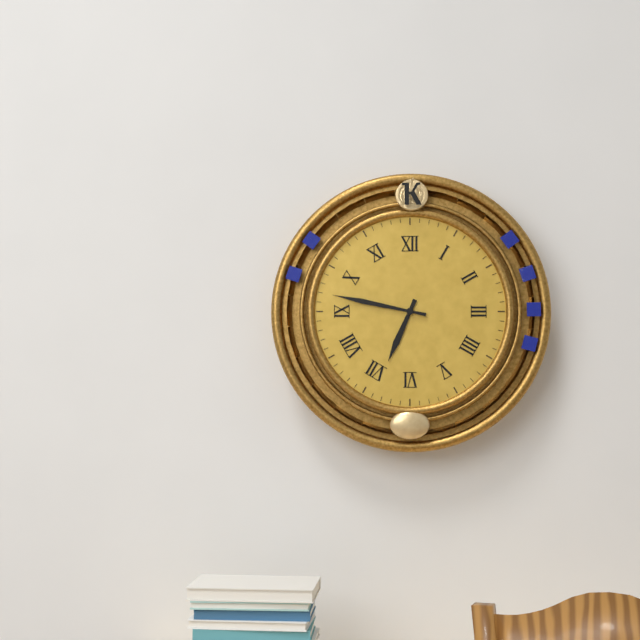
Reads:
6h47
